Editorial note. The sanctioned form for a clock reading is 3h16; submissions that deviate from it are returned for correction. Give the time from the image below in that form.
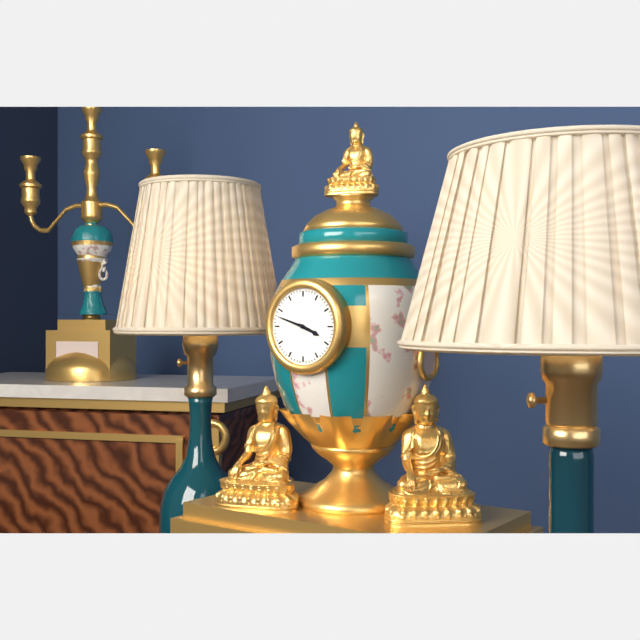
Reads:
3h48
